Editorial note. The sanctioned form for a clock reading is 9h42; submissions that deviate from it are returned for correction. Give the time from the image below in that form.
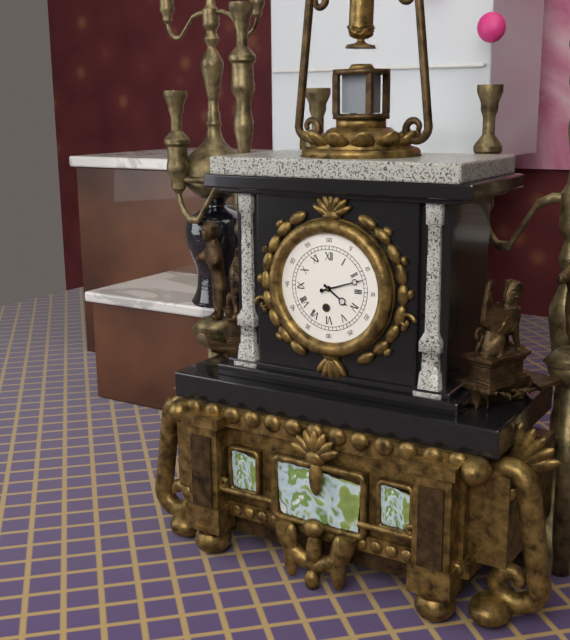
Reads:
4h12
